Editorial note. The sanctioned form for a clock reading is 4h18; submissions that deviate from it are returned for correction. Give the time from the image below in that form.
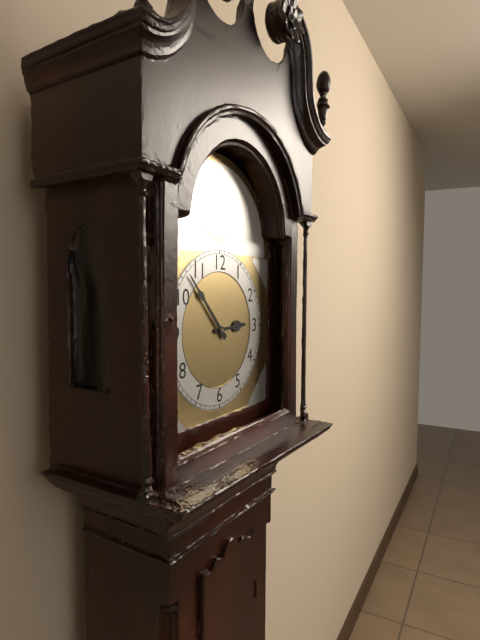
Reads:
2h53
